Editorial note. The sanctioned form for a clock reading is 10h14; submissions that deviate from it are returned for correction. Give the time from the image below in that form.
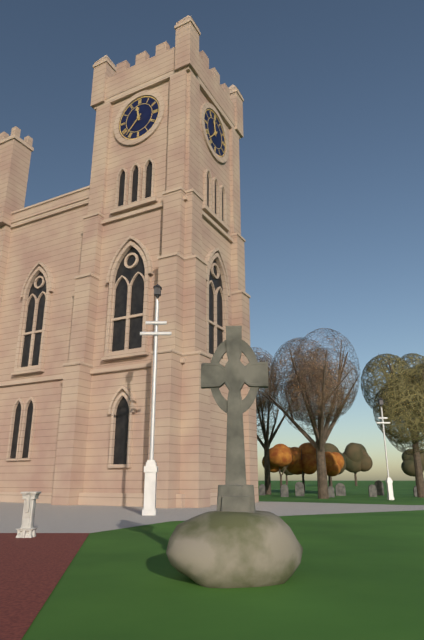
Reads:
11h37
